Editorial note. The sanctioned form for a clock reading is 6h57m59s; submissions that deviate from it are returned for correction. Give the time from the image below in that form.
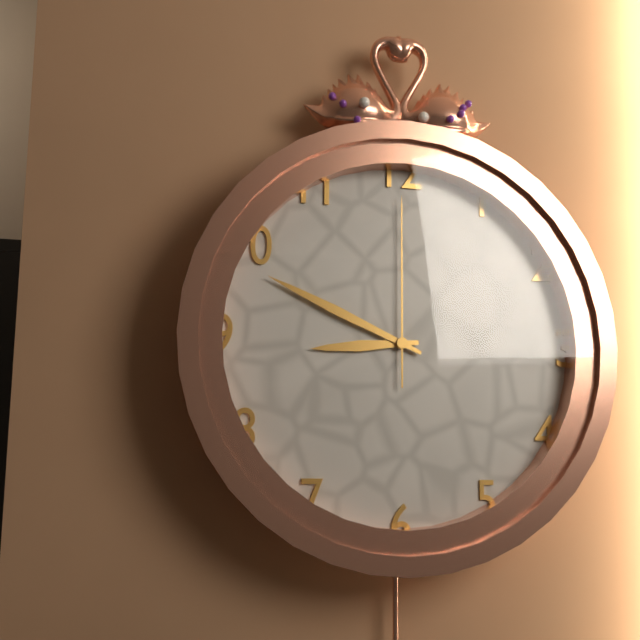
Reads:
8h49m00s
